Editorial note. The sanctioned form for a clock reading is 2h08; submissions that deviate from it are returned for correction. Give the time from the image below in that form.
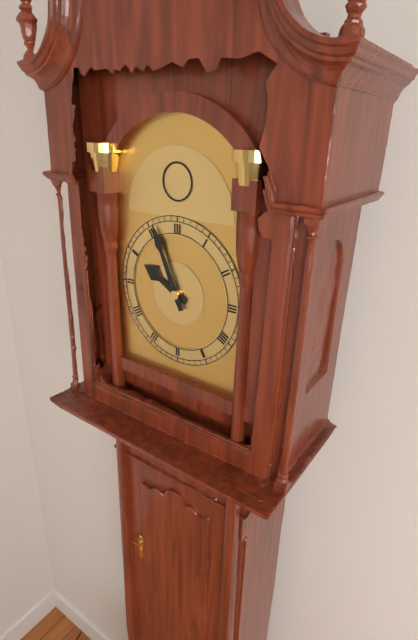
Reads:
9h56
